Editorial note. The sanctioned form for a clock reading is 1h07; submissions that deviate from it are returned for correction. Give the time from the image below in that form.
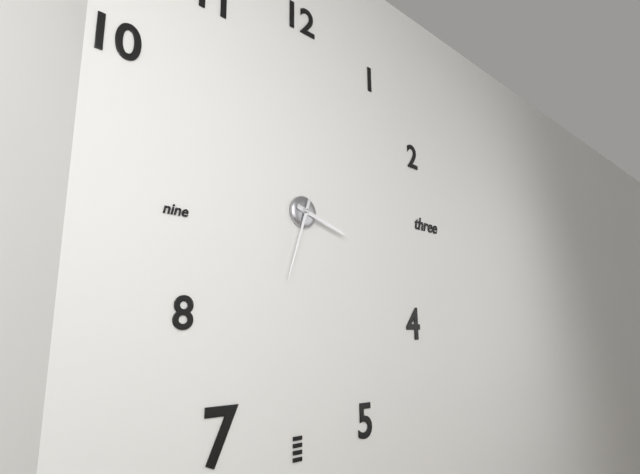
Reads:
3h33
